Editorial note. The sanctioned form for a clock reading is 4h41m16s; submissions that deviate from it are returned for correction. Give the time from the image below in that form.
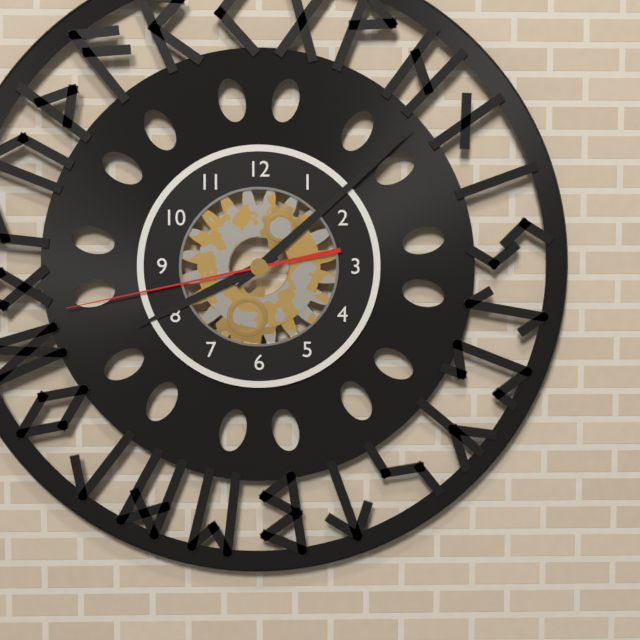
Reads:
8h08m43s
